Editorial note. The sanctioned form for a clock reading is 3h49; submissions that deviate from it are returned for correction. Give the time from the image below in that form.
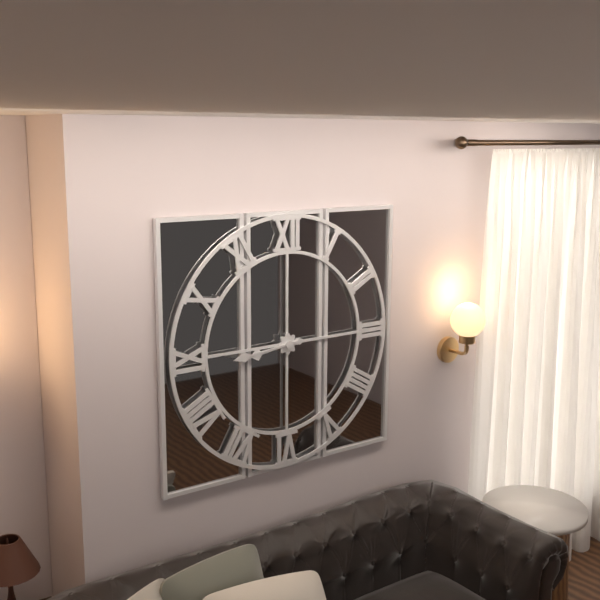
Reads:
8h44
